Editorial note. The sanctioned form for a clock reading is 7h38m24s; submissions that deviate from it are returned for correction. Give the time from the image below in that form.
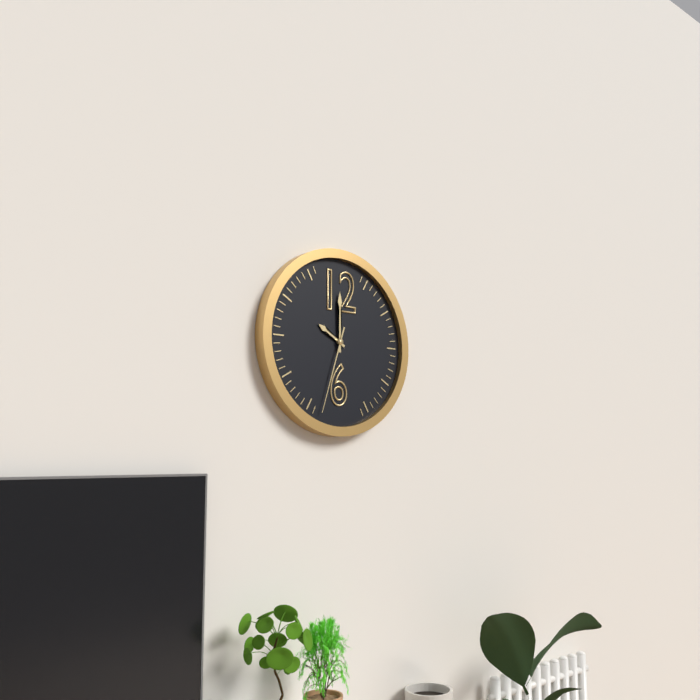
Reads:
10h00m33s
